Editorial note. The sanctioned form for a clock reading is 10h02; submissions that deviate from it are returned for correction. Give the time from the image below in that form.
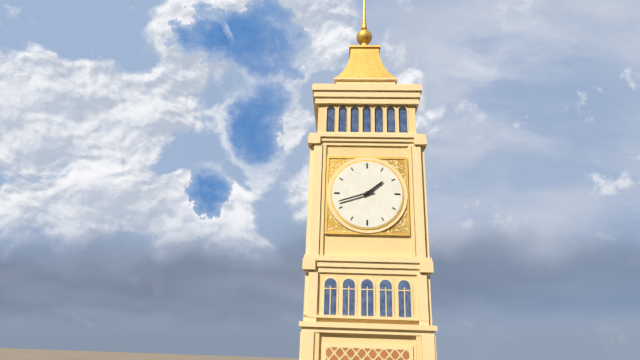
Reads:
1h42
